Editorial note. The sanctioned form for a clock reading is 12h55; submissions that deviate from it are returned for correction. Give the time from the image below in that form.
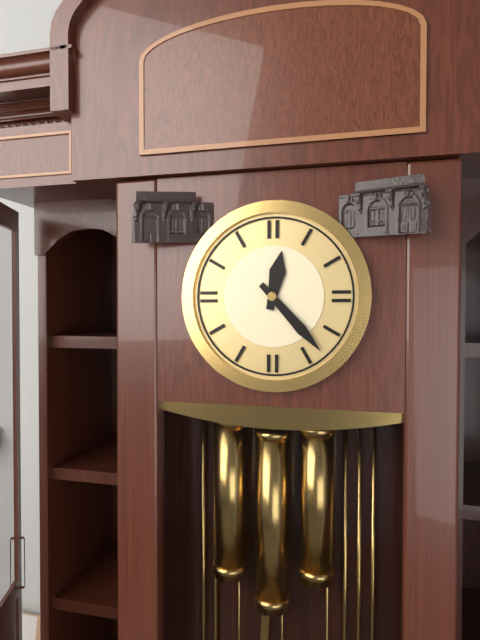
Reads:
12h23
